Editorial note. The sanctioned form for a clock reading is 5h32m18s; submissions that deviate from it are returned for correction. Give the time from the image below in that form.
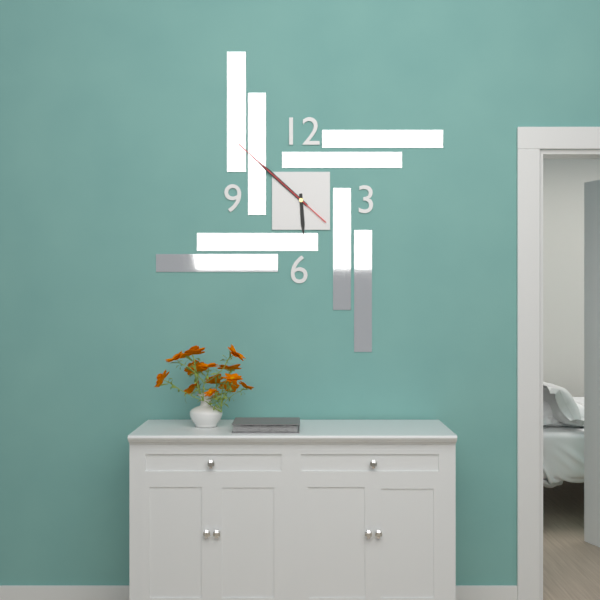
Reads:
5h52m52s
